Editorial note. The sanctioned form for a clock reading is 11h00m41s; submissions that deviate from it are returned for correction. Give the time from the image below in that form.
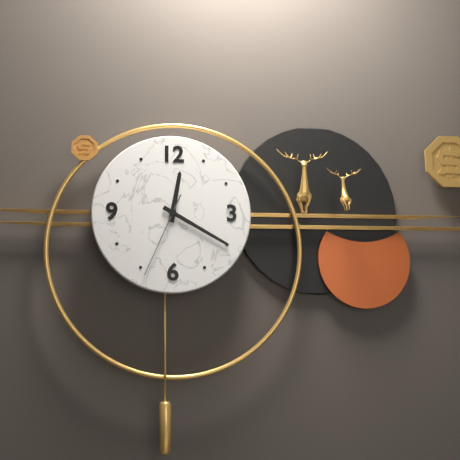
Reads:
12h20m34s
